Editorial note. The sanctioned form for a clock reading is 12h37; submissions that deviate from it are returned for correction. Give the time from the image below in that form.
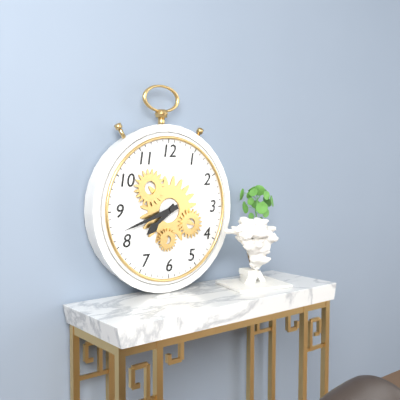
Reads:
7h42
